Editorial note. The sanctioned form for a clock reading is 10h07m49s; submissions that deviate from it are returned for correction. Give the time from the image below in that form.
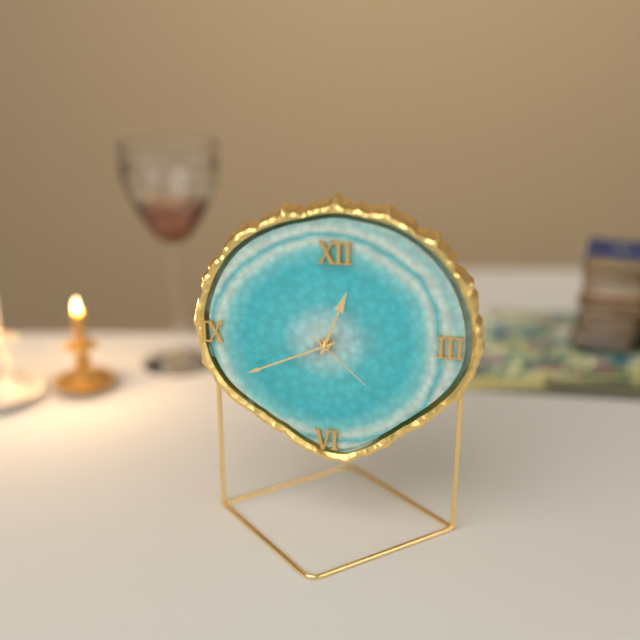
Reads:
12h41m22s
